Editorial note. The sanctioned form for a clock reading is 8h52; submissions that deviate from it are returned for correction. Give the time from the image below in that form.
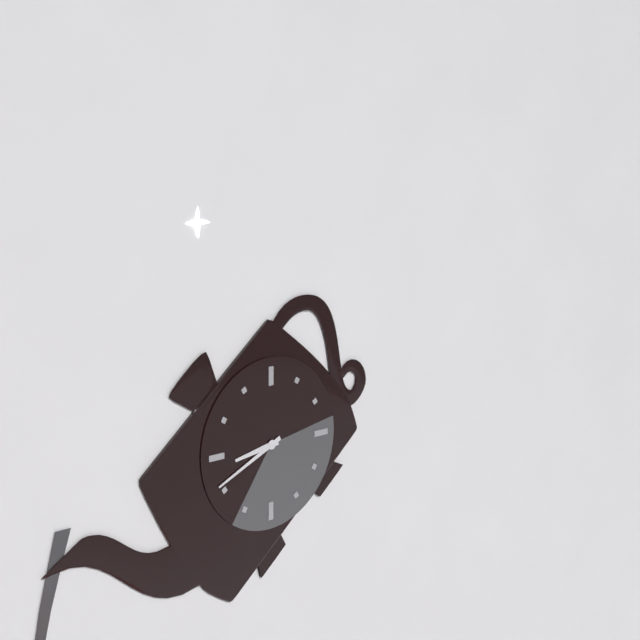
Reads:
8h41
